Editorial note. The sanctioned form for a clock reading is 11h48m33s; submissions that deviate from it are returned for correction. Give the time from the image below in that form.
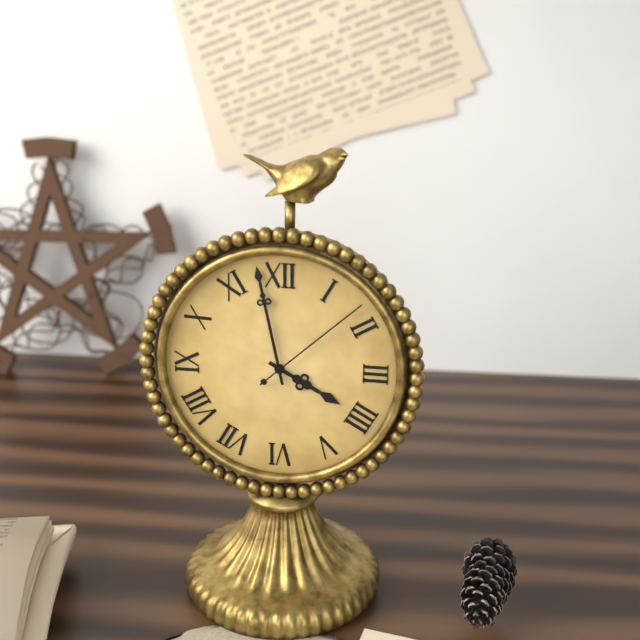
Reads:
3h58m08s
